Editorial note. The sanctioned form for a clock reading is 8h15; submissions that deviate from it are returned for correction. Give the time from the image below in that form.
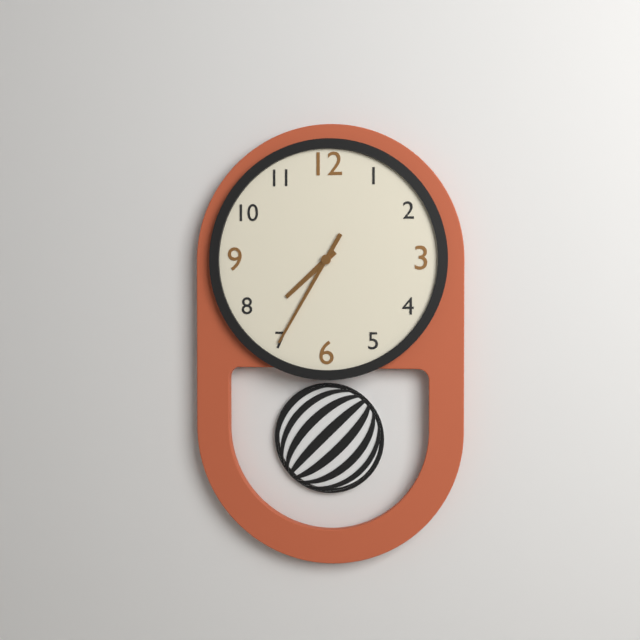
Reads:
7h35
